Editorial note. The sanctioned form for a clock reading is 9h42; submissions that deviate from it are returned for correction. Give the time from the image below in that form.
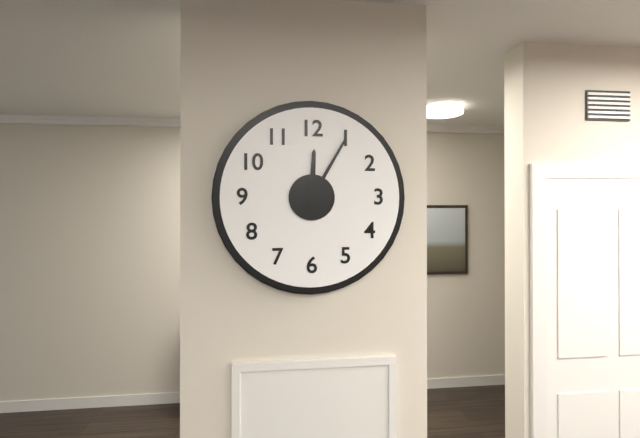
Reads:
12h05
